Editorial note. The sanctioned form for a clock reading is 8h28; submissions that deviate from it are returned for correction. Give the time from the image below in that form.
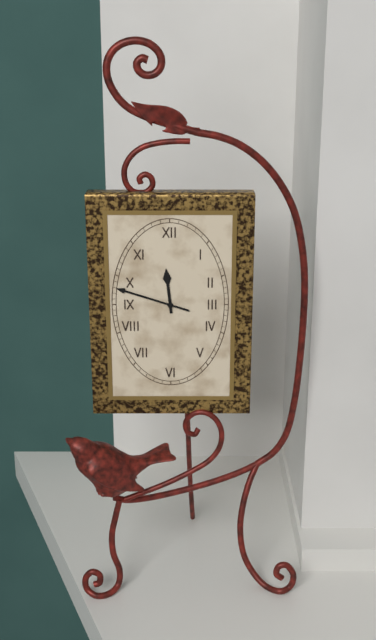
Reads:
11h48
